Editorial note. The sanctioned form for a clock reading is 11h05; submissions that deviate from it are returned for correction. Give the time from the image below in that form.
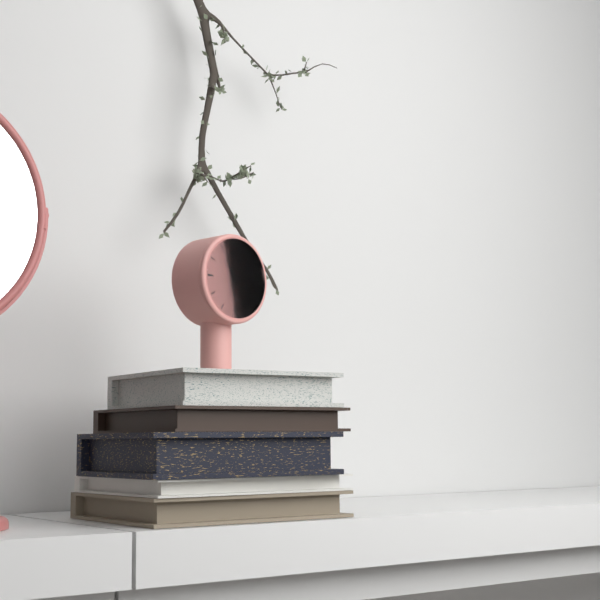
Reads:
10h59
